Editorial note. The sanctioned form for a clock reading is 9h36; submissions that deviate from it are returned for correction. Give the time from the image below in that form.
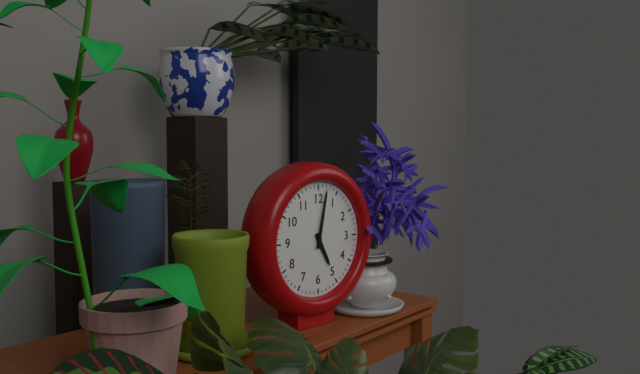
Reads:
5h02
